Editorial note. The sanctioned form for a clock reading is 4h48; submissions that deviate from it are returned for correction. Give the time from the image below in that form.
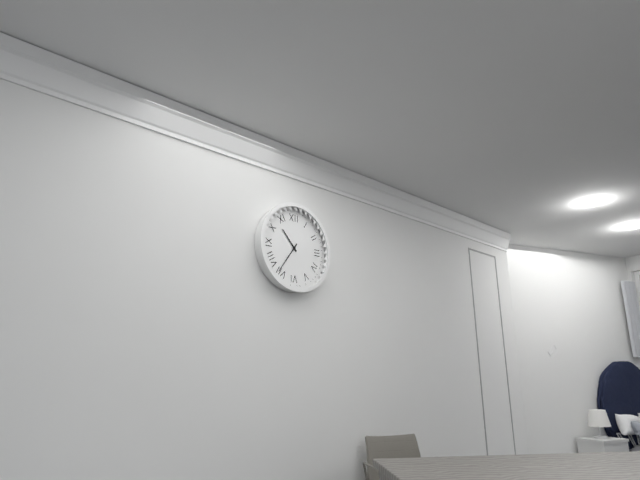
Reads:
10h36
